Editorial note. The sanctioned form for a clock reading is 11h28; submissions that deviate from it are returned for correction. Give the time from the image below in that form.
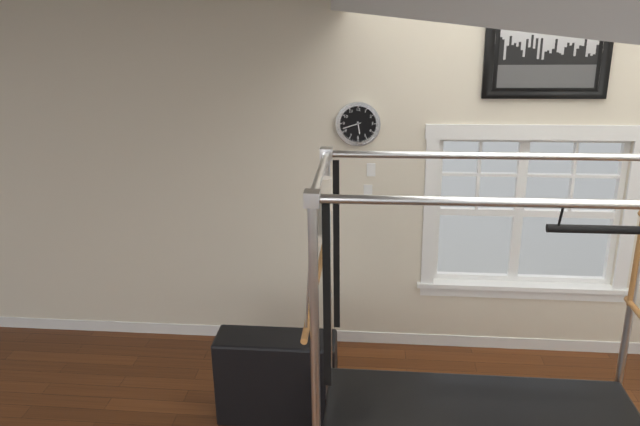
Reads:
5h42
